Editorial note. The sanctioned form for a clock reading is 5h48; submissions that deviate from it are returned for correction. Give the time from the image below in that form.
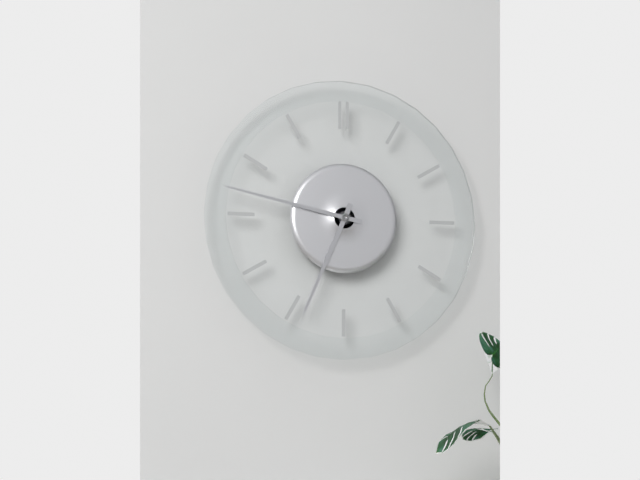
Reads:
6h47
